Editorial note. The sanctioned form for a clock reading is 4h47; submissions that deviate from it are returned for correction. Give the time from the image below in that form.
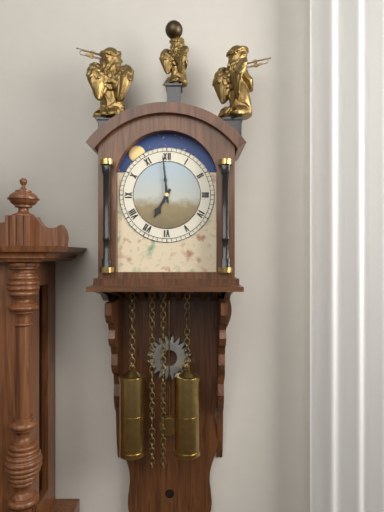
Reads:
6h59
